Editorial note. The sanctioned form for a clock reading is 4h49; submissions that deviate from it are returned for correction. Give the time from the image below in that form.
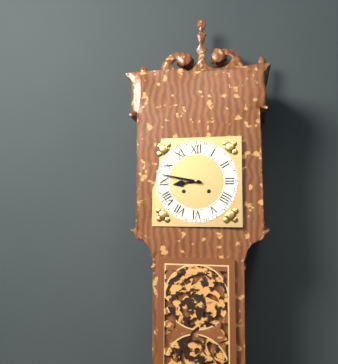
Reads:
8h47
